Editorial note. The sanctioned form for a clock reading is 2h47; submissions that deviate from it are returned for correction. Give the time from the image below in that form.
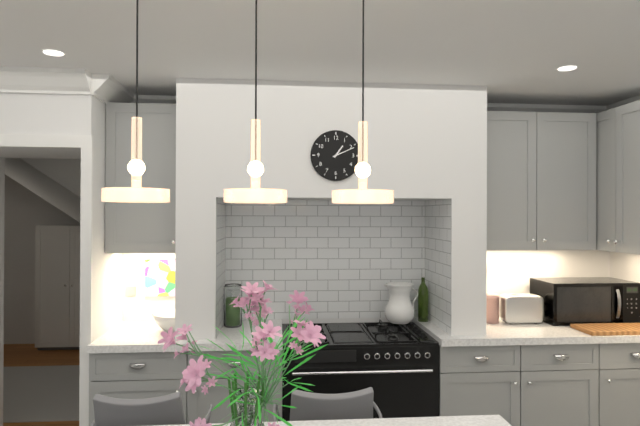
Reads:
1h11
